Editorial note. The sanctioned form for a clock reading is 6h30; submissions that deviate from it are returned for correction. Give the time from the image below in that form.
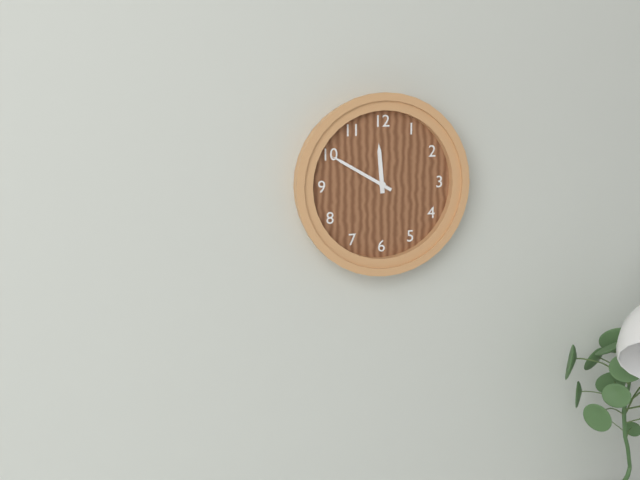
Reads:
11h50
